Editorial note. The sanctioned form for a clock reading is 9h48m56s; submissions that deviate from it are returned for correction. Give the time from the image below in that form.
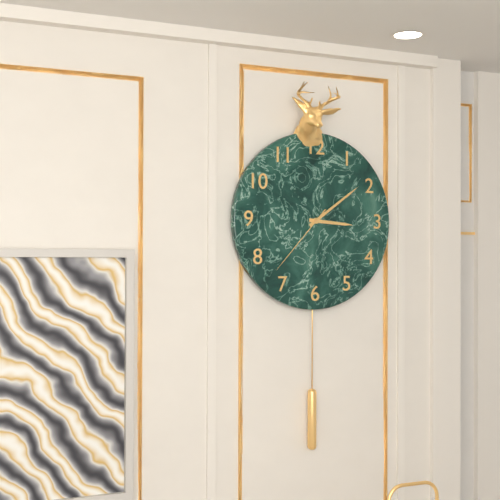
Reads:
3h09m37s
